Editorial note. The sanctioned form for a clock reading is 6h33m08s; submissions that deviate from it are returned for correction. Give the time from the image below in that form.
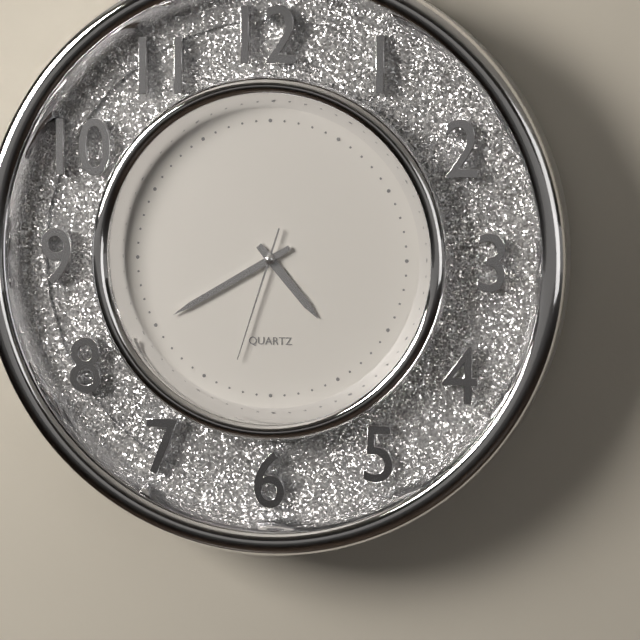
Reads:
4h40m33s
